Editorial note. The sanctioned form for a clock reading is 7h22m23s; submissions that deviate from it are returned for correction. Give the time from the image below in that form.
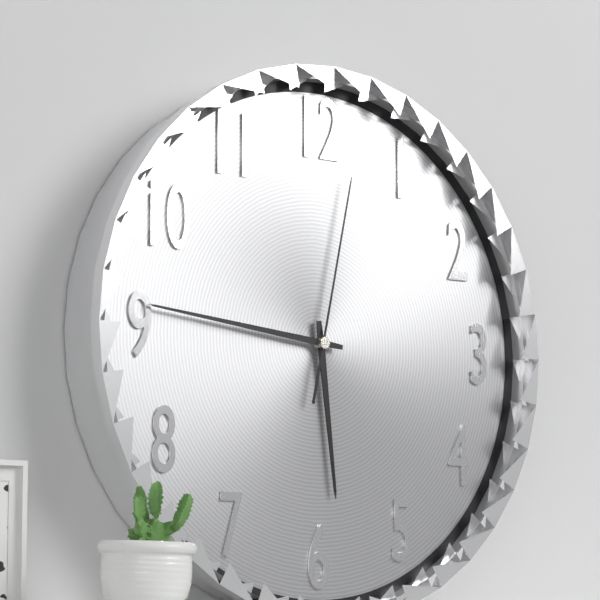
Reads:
5h46m02s
